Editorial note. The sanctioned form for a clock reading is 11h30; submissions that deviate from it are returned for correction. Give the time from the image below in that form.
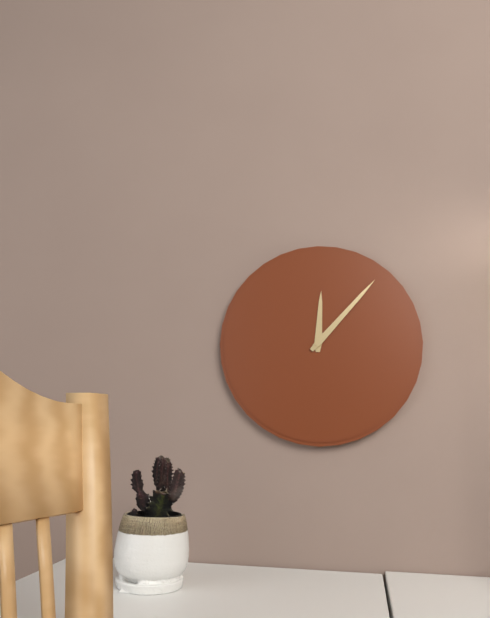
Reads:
12h07
